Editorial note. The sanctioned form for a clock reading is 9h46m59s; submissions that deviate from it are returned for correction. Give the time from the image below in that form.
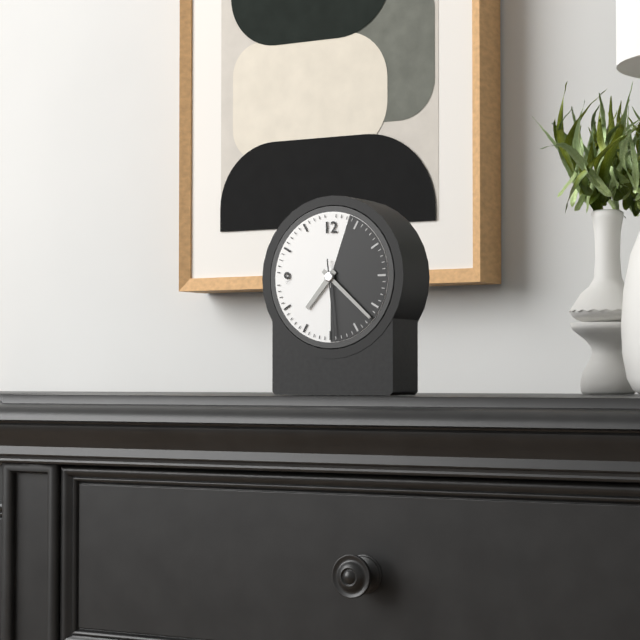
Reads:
7h22m29s
